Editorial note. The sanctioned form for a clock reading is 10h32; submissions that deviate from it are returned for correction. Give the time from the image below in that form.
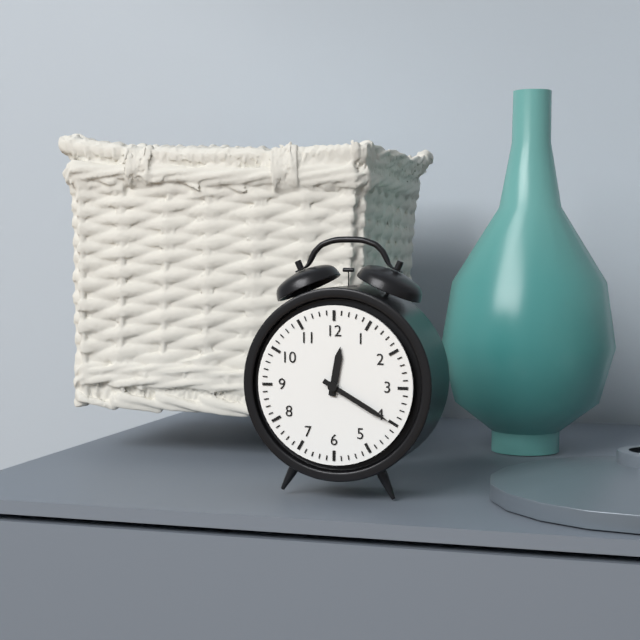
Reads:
12h20
